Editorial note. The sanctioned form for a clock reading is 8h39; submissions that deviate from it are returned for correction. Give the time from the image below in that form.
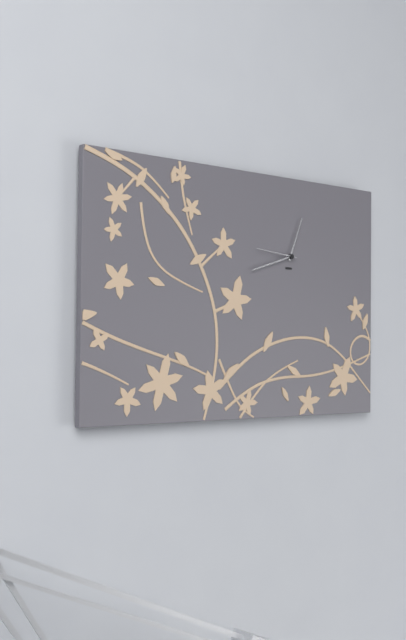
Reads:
12h42
